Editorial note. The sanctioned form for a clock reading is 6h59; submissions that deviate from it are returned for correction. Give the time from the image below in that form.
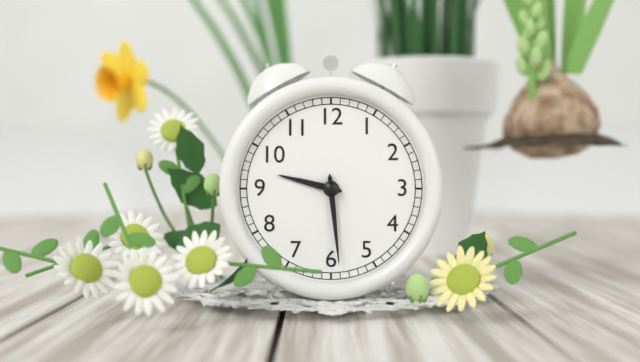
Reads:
9h29
